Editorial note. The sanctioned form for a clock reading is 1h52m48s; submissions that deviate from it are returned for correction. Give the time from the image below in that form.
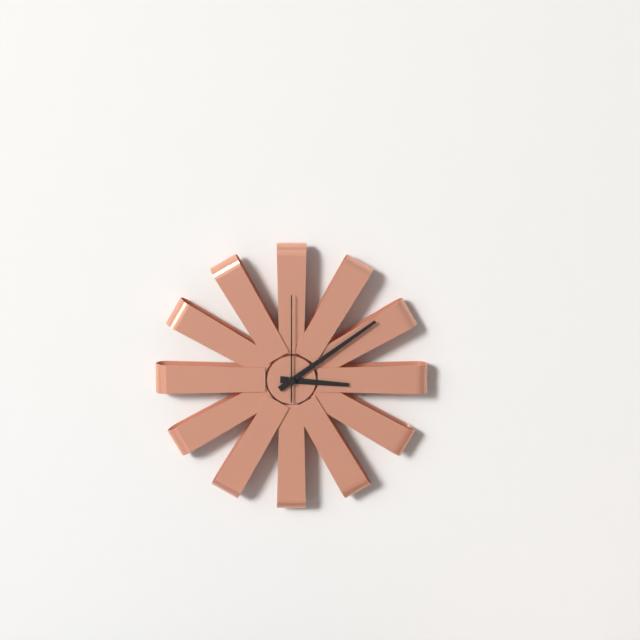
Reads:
3h09m00s
